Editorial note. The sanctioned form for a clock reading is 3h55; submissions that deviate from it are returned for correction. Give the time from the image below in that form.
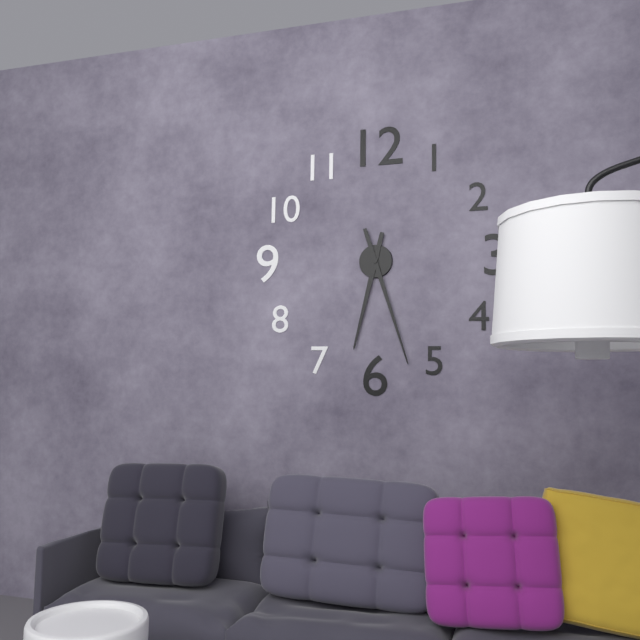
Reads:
6h27
